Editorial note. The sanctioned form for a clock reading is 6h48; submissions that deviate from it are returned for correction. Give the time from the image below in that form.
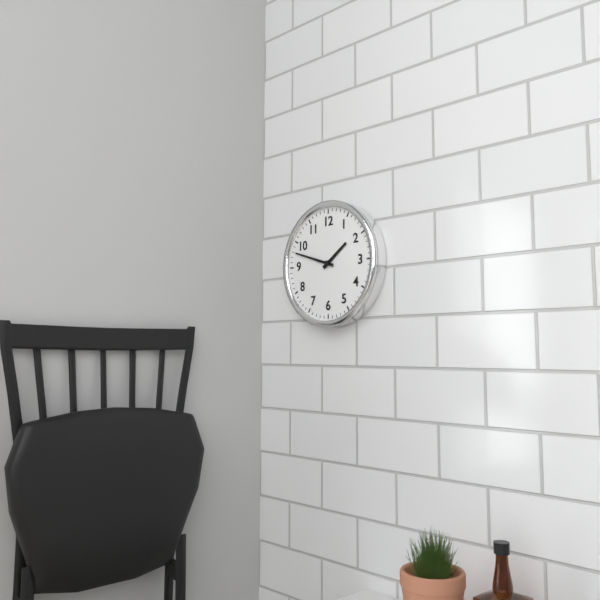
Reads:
1h48
